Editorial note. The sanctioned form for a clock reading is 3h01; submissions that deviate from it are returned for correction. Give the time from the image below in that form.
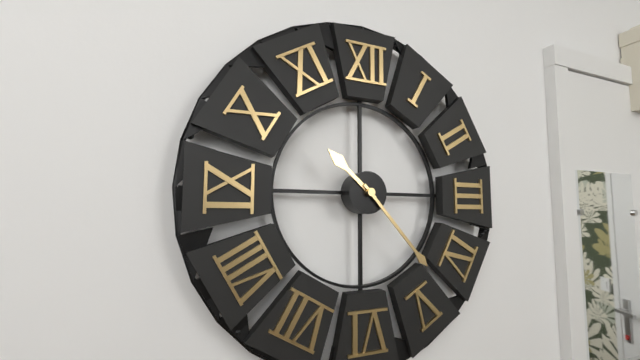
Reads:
10h23
